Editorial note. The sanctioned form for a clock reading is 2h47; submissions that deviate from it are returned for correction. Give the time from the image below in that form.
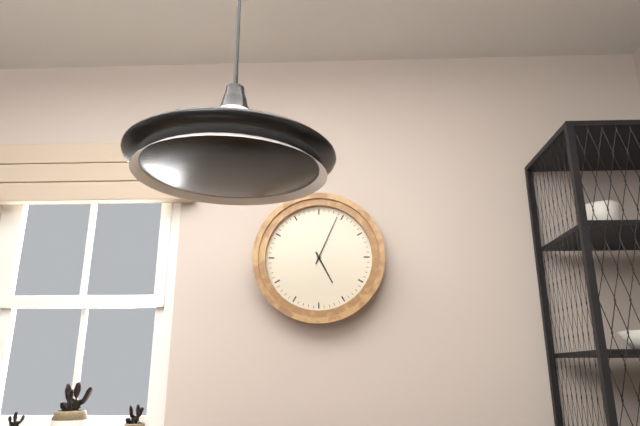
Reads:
5h04
